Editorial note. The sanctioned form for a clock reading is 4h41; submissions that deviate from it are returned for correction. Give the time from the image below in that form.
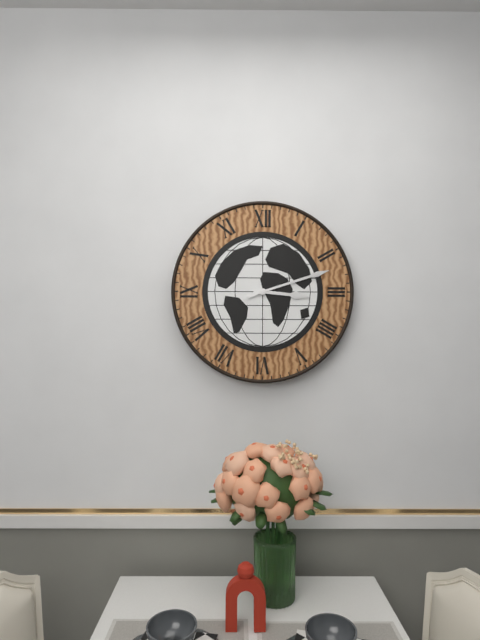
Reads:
3h12
